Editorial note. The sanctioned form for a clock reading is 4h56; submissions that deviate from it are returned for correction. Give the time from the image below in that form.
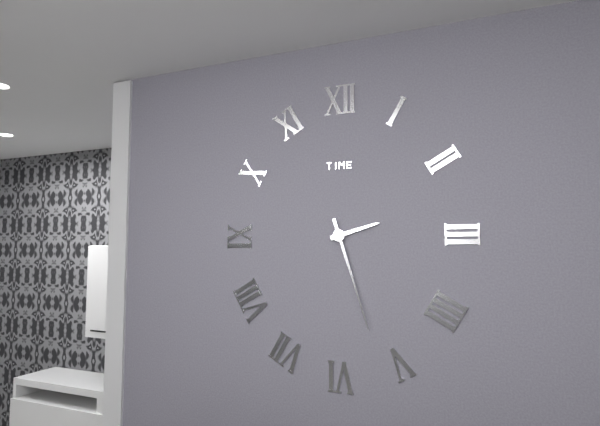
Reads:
2h27
